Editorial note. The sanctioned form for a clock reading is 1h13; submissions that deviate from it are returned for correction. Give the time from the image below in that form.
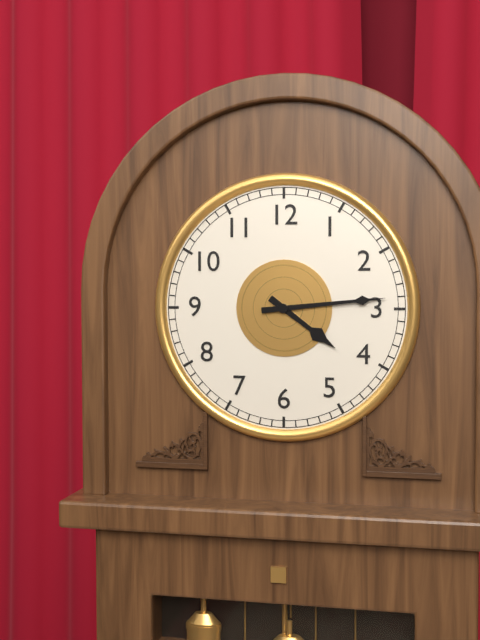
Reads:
4h14
